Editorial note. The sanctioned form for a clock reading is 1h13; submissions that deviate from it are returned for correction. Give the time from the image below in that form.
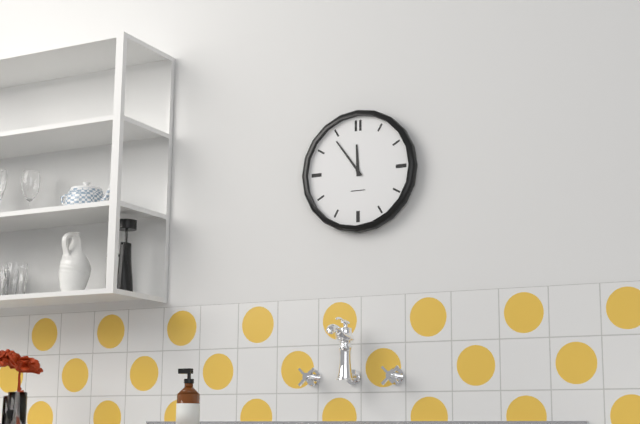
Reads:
11h54
